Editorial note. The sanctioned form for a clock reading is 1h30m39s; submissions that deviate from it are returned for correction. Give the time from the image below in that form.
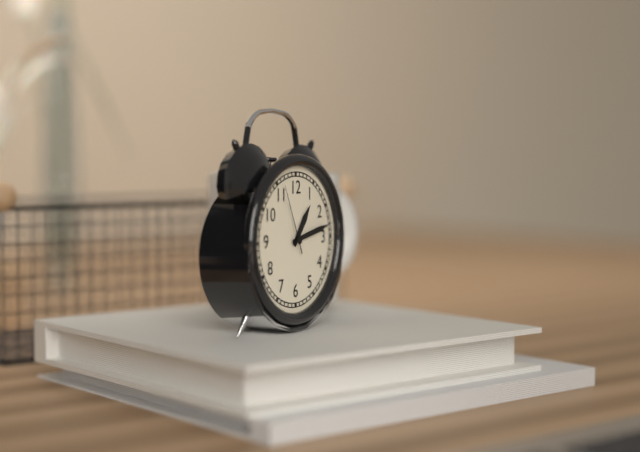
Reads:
1h13m56s
